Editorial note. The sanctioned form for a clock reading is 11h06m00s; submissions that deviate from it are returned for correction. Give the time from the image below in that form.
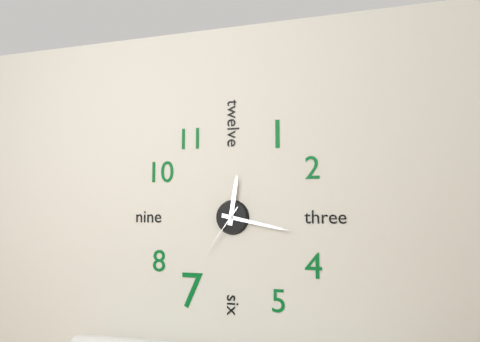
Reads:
12h17m36s
